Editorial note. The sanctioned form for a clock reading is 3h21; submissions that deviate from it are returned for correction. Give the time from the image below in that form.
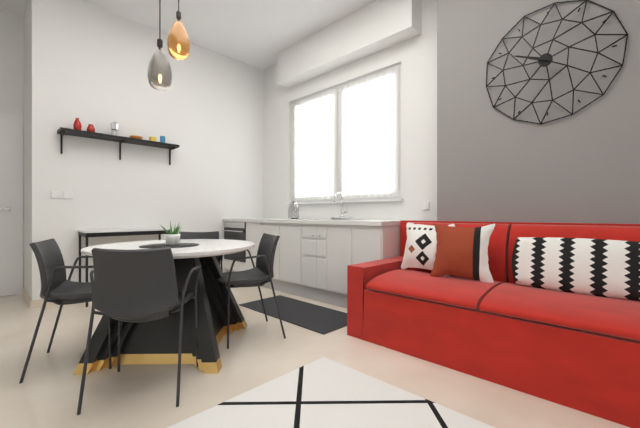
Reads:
9h49
